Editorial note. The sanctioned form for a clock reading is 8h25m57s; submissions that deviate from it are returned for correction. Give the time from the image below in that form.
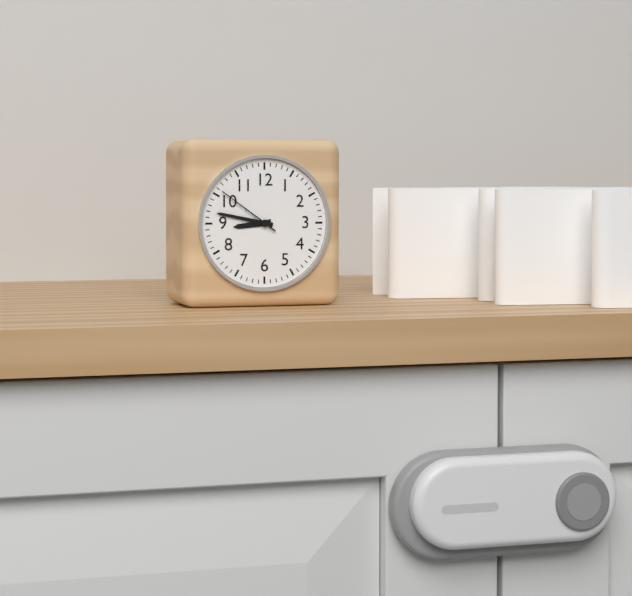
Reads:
8h47m51s
